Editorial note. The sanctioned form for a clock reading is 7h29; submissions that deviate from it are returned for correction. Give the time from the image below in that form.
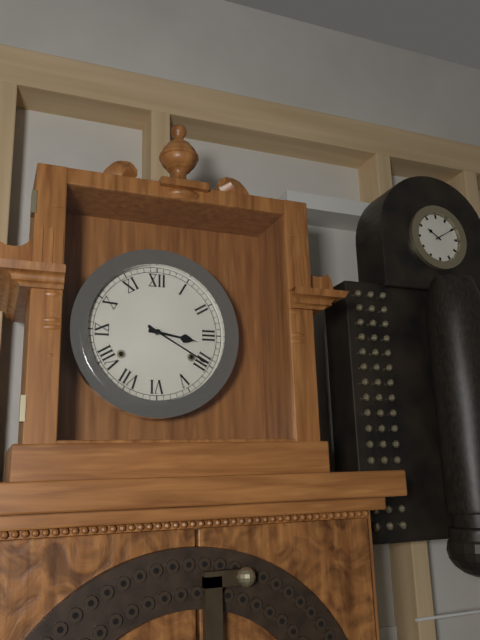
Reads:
3h20
